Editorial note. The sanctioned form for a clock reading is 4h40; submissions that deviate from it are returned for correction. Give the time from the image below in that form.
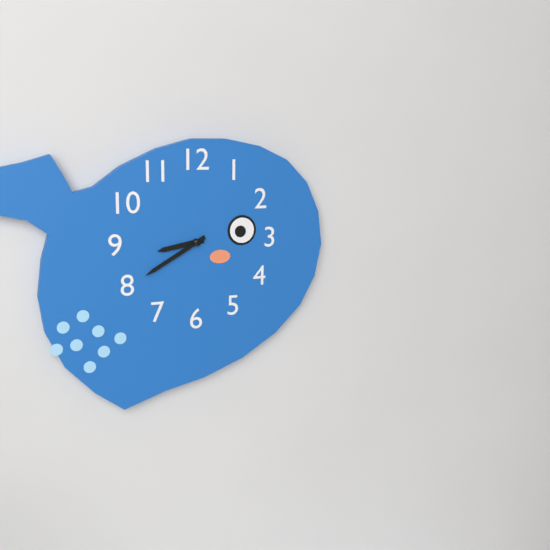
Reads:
8h40
